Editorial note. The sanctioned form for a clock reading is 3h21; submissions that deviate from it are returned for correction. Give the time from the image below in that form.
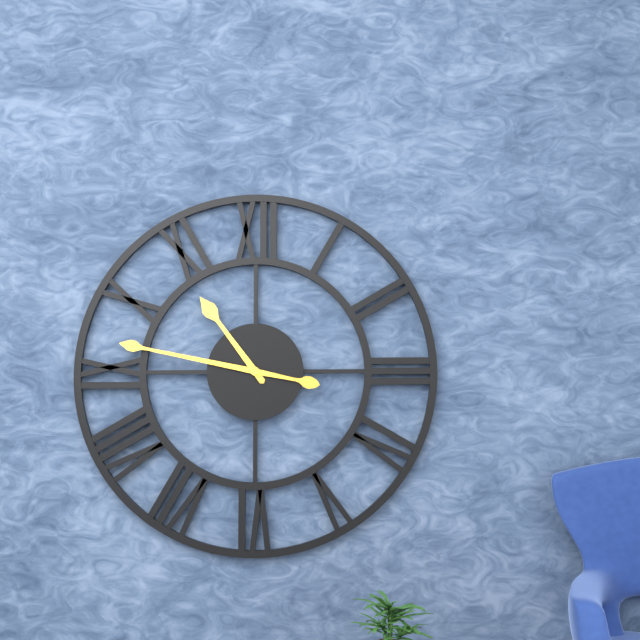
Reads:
10h47
